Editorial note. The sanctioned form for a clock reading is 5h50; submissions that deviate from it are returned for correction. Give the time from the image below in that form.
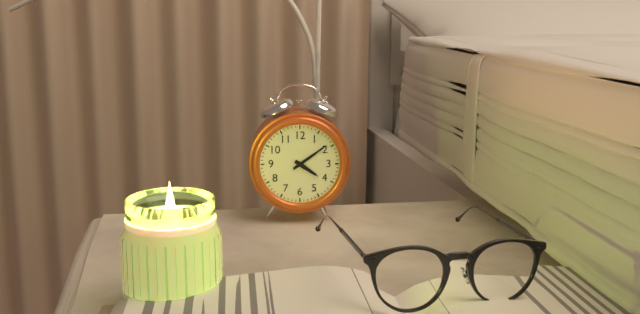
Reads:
4h09
